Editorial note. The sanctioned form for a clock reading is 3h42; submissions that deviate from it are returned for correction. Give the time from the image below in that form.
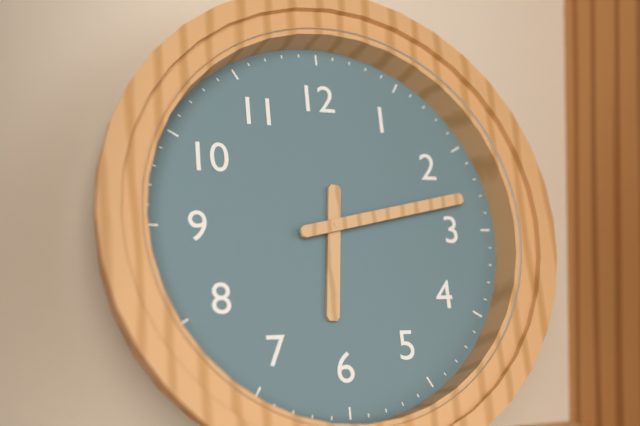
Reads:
6h13
